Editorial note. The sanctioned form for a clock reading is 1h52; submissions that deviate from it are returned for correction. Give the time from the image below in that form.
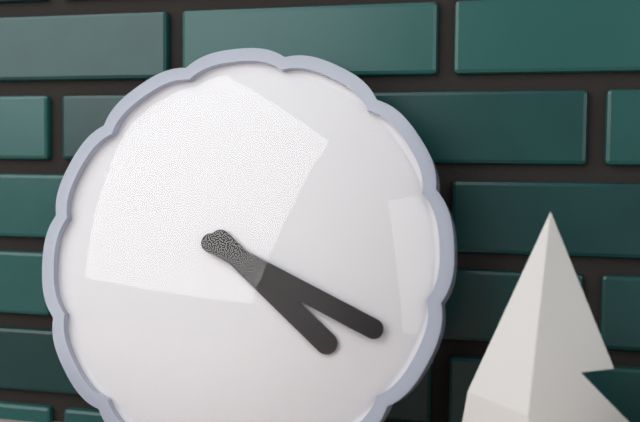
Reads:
4h19
